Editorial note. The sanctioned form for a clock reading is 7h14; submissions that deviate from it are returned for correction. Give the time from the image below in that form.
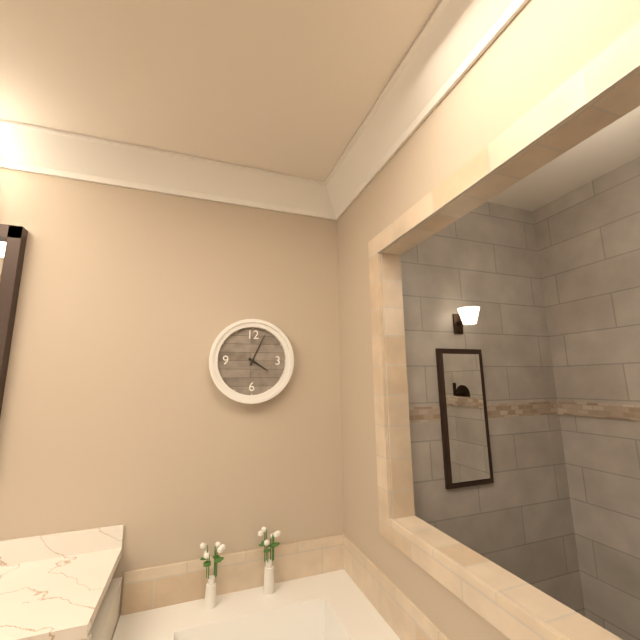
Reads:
4h04
